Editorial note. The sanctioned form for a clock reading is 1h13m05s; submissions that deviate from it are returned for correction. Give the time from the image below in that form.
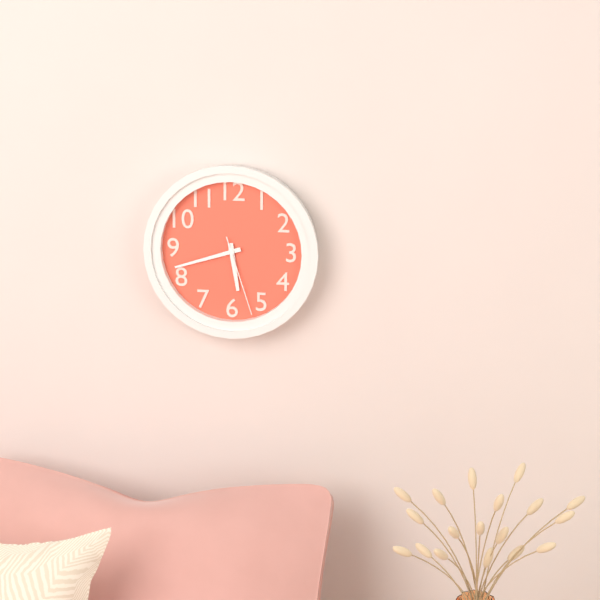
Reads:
5h42m27s
